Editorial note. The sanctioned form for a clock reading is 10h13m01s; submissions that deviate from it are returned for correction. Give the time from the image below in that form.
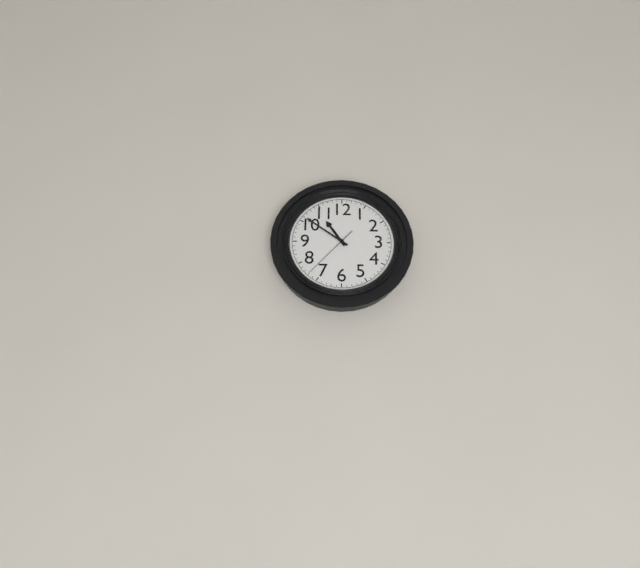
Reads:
10h51m37s
